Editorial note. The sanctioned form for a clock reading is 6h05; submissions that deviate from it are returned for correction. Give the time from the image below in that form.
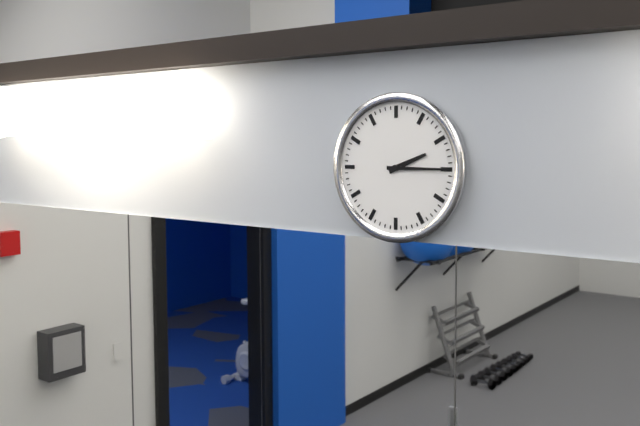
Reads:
2h15
